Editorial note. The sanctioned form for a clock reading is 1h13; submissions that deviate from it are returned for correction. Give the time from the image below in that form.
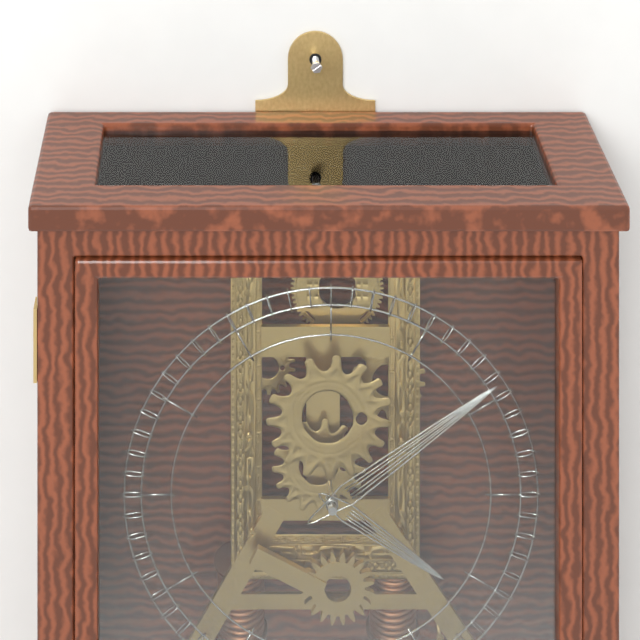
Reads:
4h09
